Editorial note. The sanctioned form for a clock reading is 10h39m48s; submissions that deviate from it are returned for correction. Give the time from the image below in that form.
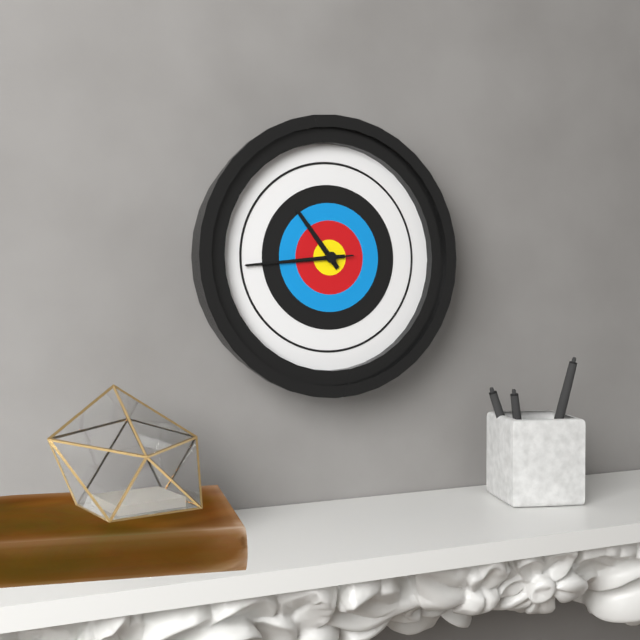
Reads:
10h44m44s
